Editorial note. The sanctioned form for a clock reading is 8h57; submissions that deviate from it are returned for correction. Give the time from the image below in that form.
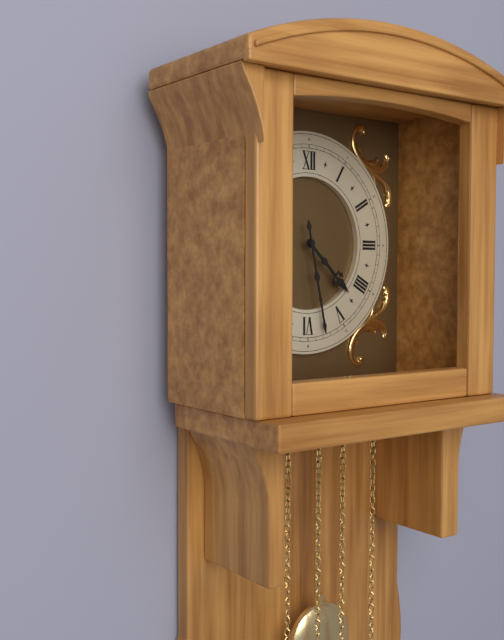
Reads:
4h28
